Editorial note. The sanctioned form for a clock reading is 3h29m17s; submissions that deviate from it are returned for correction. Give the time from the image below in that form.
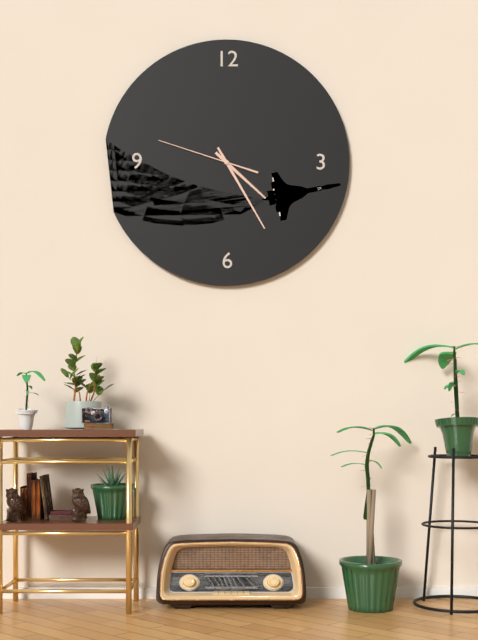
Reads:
4h25m48s
